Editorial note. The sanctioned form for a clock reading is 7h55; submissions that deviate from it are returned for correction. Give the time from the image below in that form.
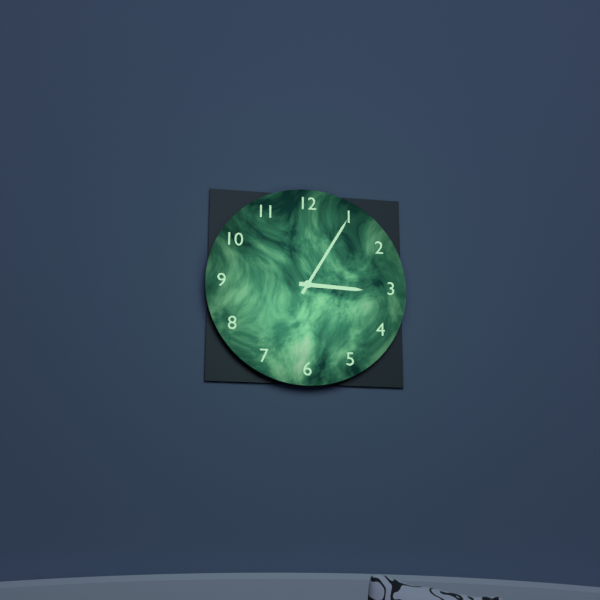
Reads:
3h05
